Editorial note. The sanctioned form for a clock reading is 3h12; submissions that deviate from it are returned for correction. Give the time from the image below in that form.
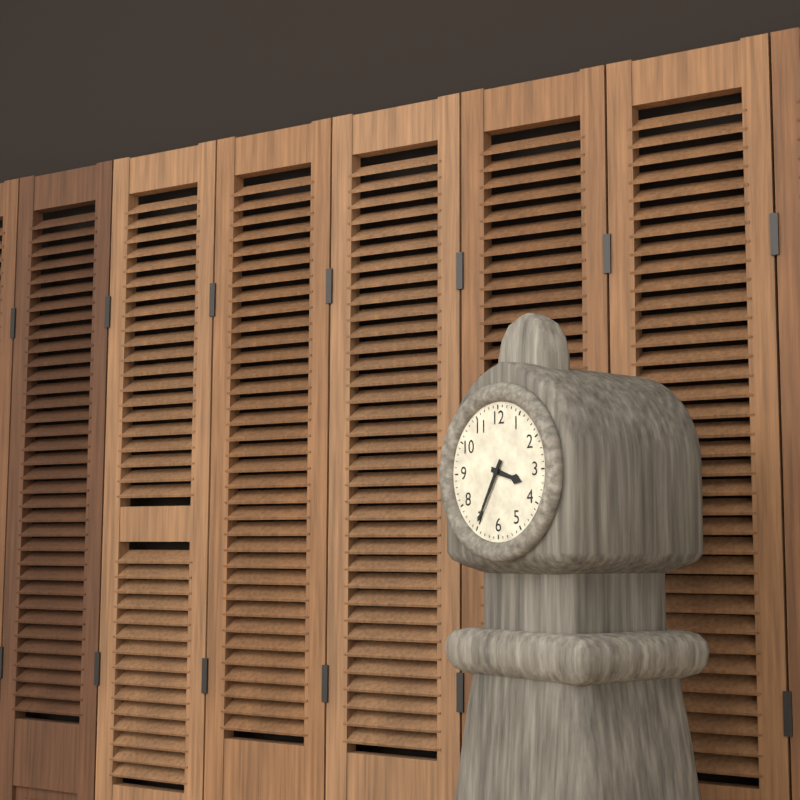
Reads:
3h35
